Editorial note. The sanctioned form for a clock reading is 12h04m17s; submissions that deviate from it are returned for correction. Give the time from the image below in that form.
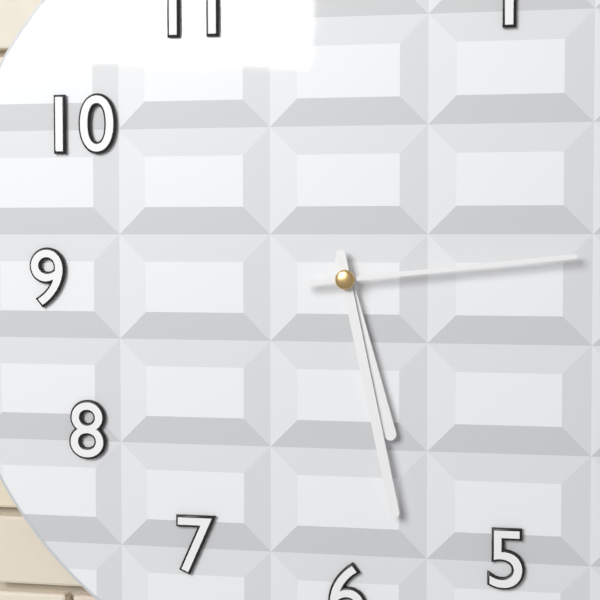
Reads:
5h28m14s
